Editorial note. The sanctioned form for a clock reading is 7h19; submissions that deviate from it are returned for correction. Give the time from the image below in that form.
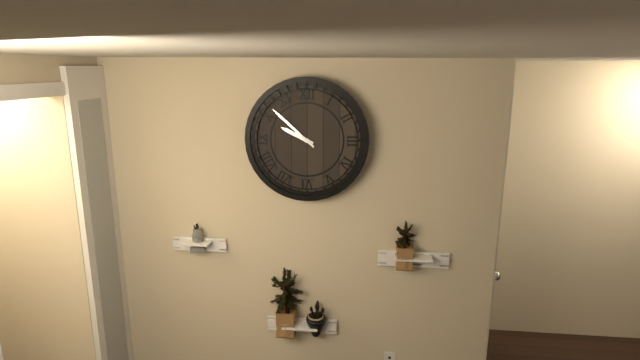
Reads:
9h52
